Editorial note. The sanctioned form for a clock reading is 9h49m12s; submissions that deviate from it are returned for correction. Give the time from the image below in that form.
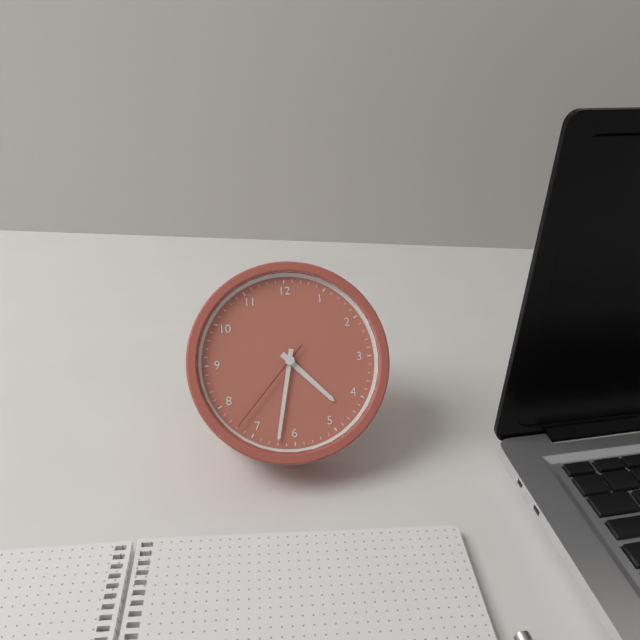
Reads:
4h32m37s
